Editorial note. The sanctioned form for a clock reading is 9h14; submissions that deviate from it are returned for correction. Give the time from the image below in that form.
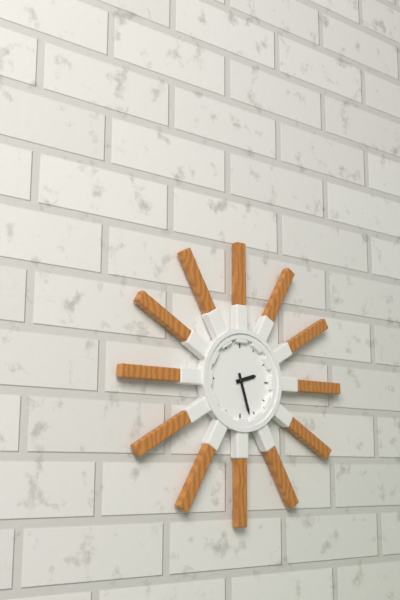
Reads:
2h27
